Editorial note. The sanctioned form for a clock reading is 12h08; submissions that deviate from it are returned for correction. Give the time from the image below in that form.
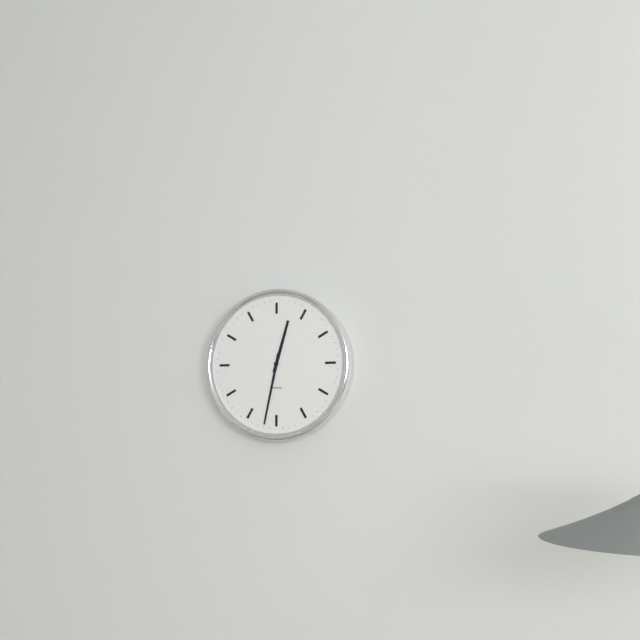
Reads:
12h32
